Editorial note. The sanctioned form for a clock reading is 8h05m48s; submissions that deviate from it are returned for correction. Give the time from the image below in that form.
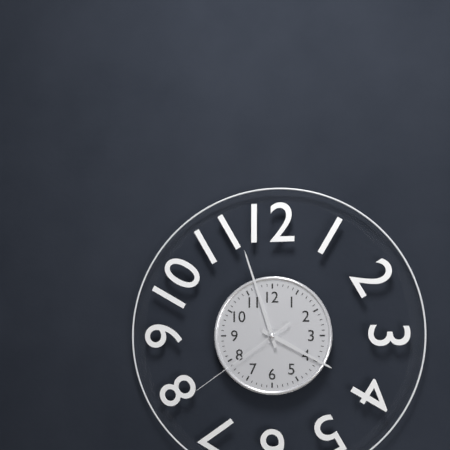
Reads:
3h57m39s
